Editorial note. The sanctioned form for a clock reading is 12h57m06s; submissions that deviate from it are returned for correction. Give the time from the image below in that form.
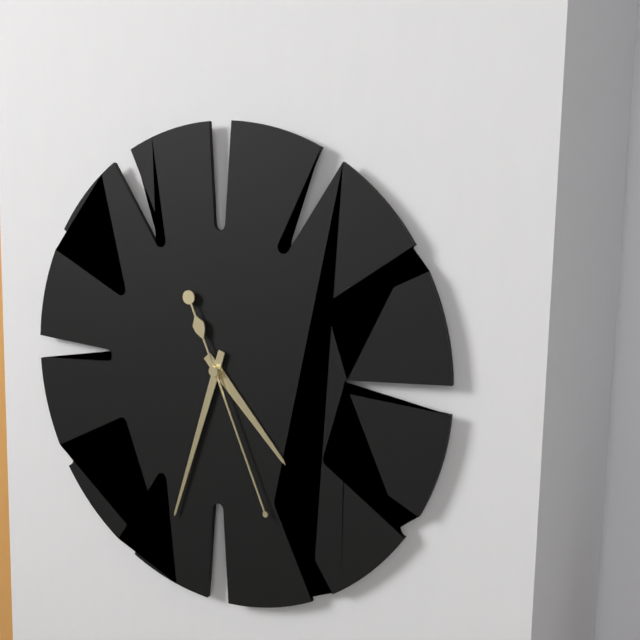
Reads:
4h33m26s
